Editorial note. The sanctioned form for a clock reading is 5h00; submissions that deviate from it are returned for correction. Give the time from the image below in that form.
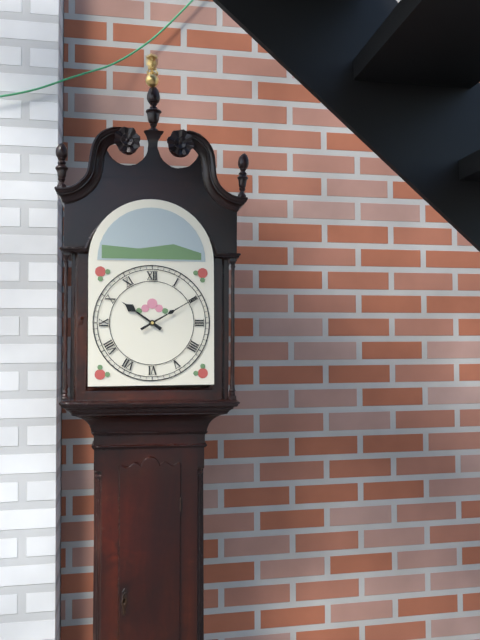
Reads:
10h10
